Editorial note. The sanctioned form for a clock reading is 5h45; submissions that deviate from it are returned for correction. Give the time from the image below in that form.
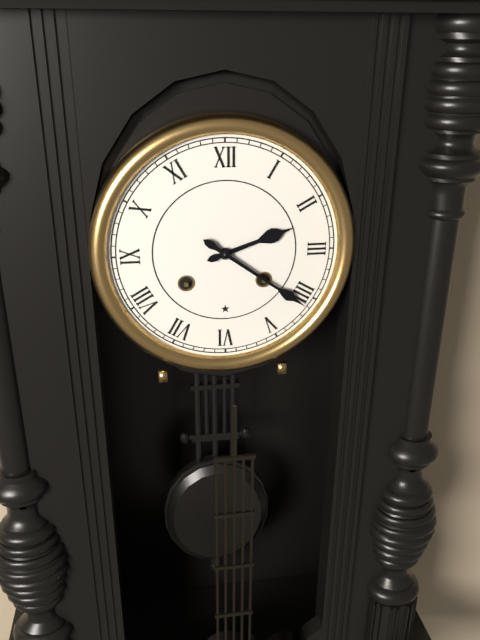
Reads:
2h21
